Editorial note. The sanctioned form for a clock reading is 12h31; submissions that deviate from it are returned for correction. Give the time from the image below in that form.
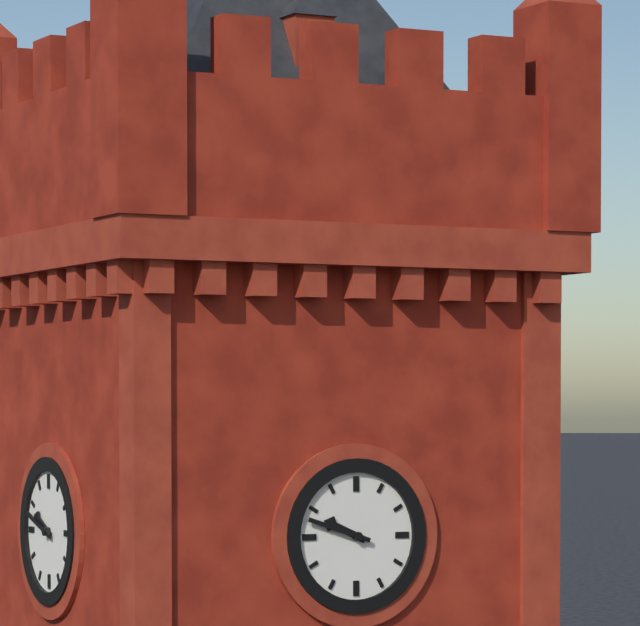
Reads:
9h48
